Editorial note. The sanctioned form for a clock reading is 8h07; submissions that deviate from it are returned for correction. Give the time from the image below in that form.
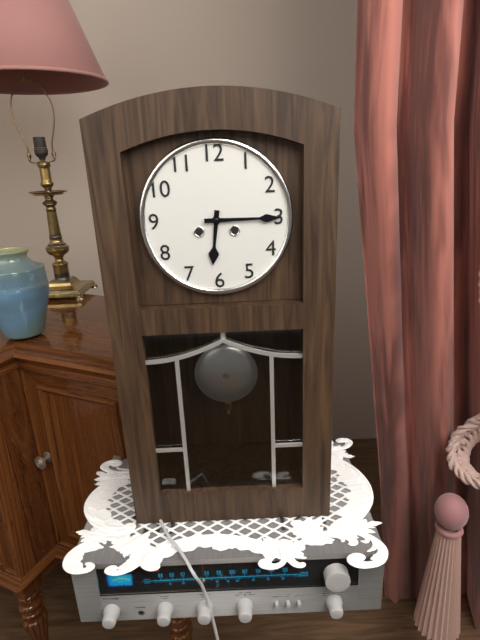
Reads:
6h15
